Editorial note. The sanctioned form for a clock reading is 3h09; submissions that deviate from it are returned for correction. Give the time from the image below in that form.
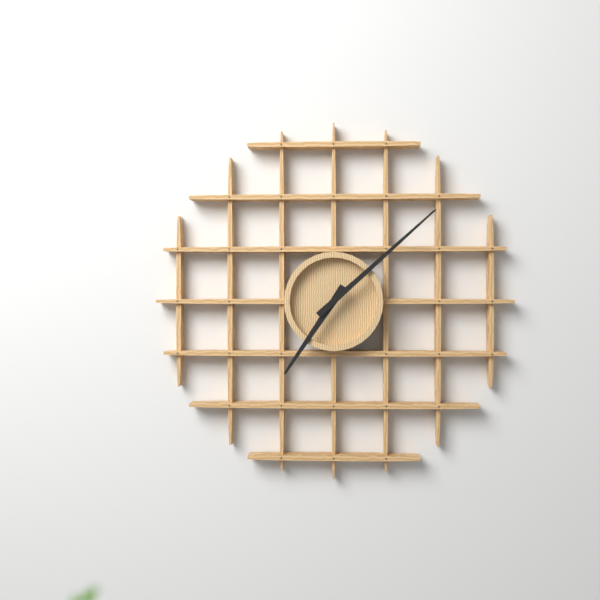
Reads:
7h08
